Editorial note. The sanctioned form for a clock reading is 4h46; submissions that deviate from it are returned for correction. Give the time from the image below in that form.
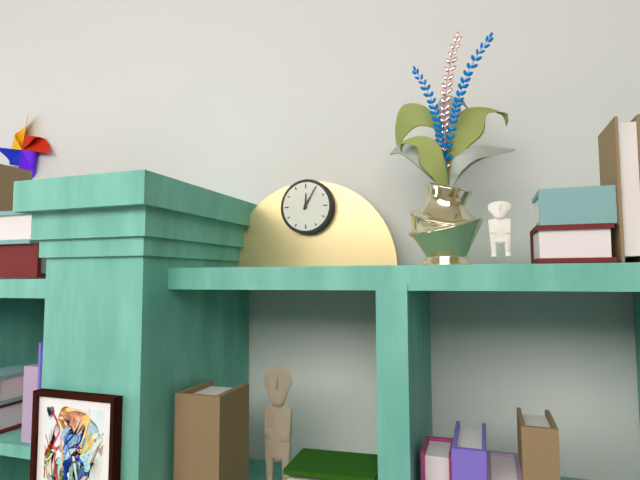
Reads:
12h05
